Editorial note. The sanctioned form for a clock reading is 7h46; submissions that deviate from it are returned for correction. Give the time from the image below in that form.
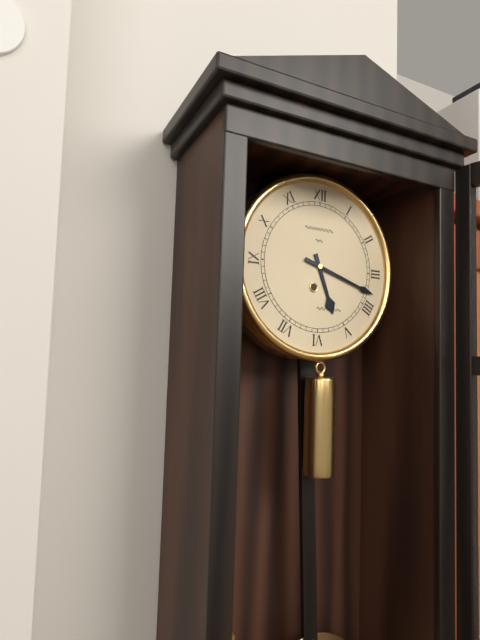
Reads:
5h18
